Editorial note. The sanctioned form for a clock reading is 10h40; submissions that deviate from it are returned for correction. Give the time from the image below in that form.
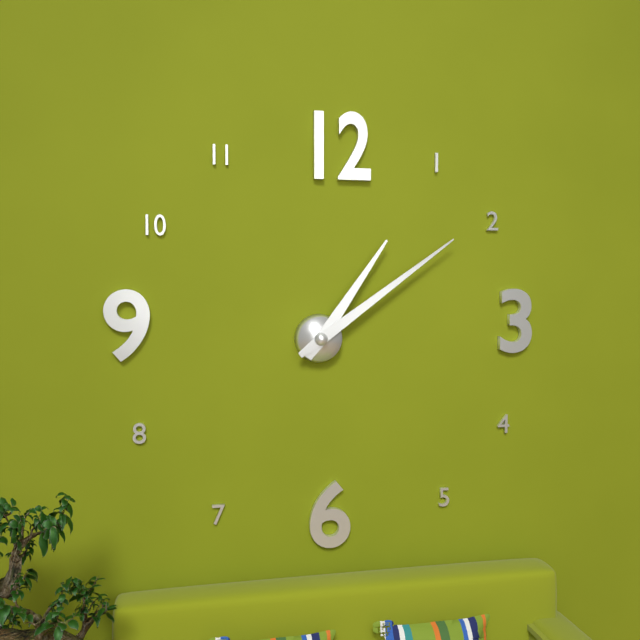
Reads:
1h09
